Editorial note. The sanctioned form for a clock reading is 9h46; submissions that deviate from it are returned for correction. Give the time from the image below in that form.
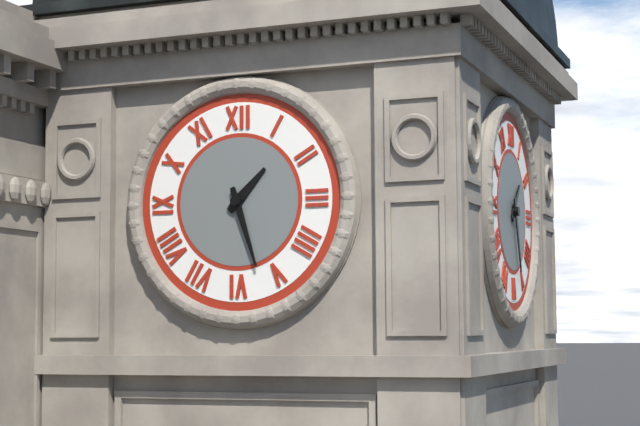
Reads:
1h27
